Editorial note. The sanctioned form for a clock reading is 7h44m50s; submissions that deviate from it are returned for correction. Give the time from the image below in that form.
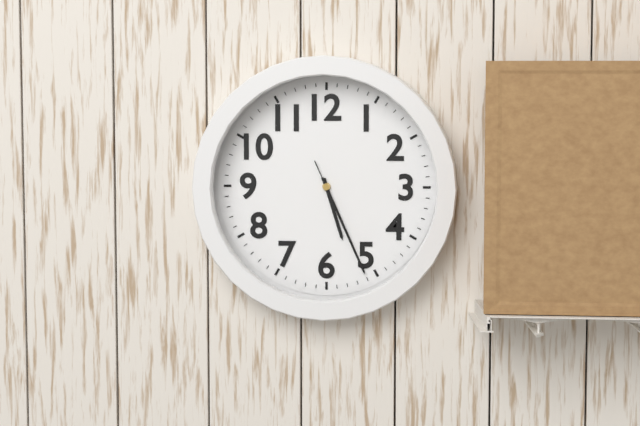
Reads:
5h26m26s
